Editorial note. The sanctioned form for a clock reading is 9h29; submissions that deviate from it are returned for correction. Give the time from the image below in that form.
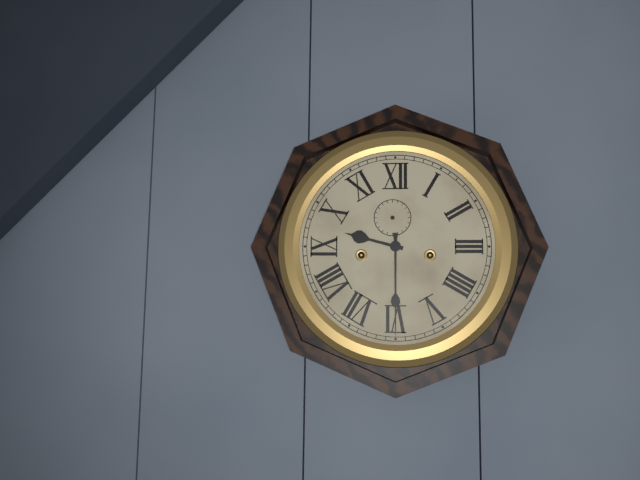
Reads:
9h30
